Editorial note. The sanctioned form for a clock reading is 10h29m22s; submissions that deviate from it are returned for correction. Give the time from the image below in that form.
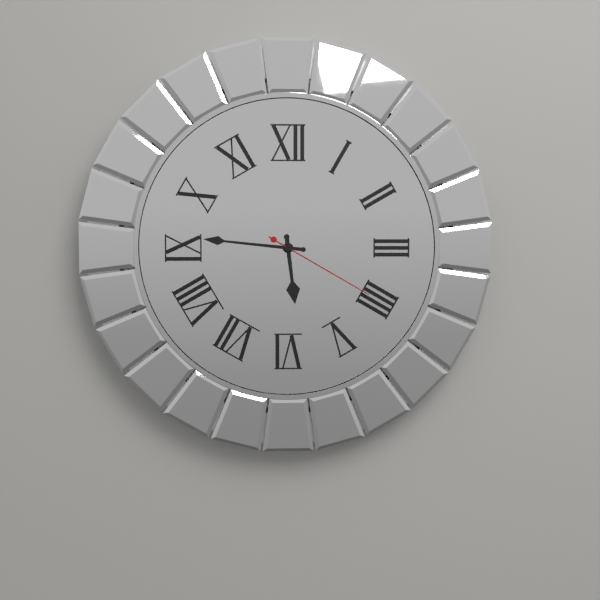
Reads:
5h46m20s
